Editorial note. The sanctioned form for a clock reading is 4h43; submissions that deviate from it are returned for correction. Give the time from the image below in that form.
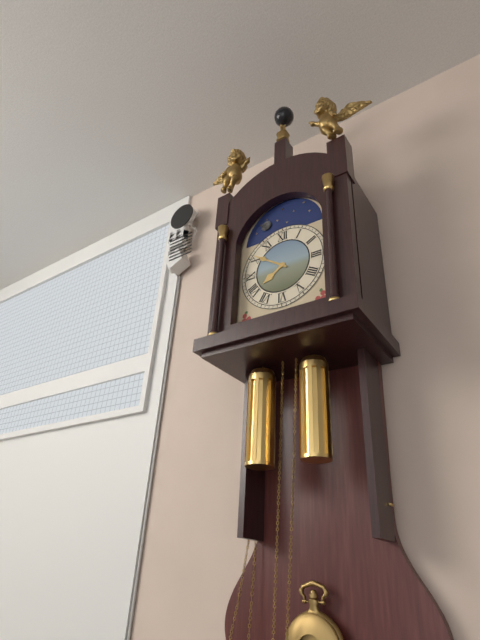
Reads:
7h51
